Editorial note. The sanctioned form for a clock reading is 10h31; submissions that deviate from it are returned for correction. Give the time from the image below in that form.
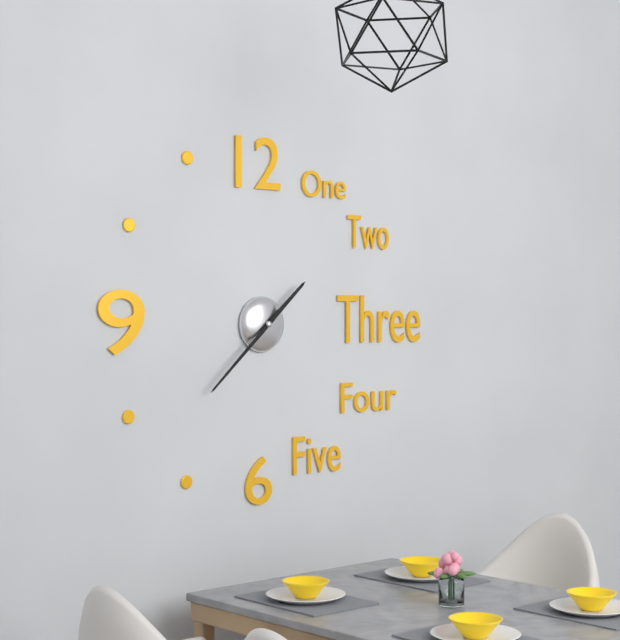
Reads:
1h38
